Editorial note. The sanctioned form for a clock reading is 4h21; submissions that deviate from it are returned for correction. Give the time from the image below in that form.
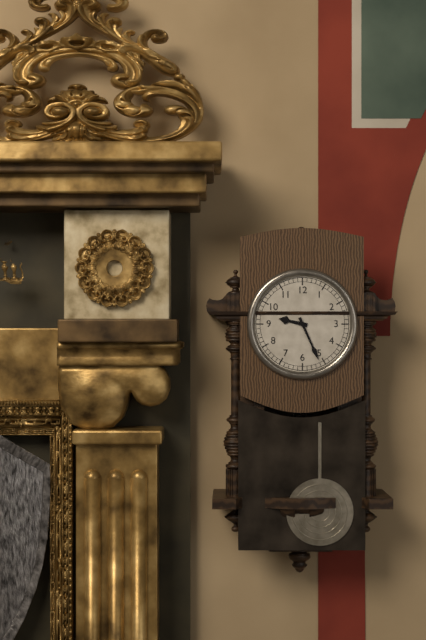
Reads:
9h26
